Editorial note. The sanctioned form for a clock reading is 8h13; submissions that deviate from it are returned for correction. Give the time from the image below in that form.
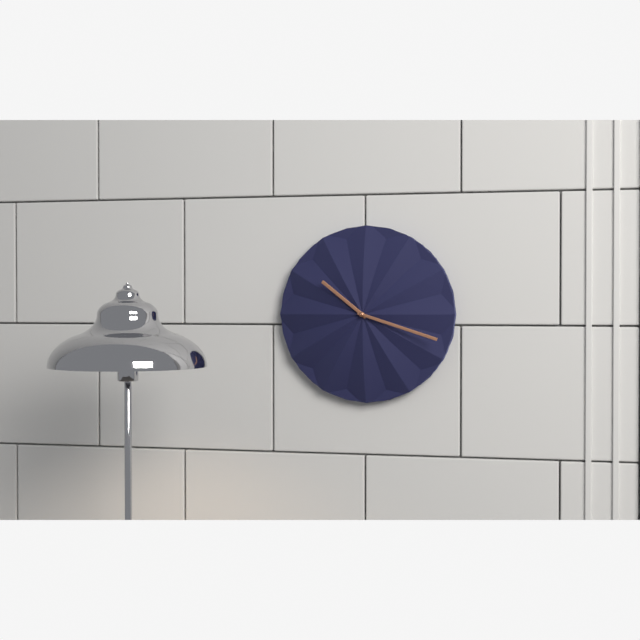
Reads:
10h18
